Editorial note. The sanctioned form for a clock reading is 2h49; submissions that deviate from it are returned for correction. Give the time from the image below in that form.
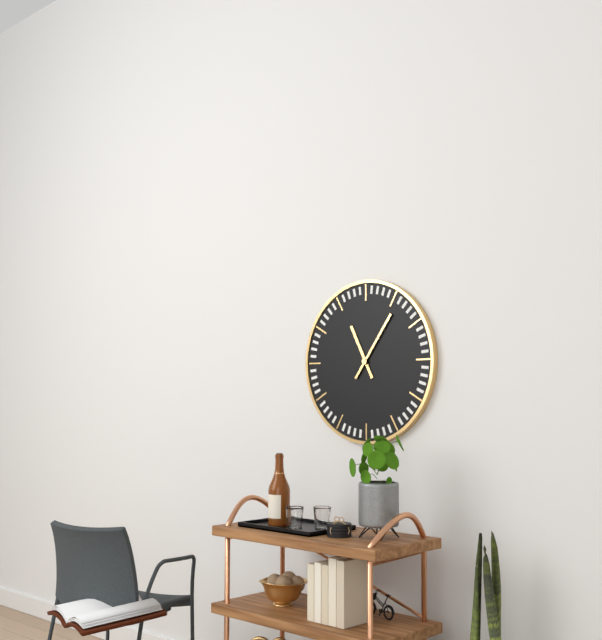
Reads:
11h06
